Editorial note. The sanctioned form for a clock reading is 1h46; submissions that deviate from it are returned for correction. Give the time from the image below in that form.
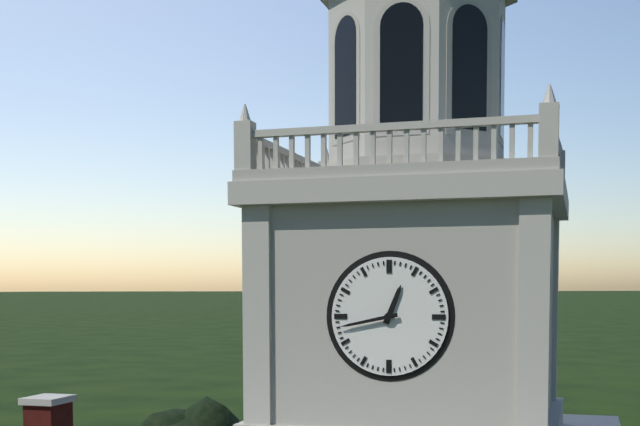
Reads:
12h43
